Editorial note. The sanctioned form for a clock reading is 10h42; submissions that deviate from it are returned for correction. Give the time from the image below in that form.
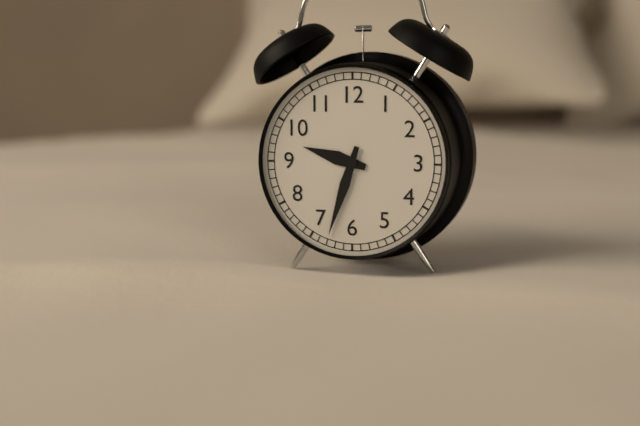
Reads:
9h33
